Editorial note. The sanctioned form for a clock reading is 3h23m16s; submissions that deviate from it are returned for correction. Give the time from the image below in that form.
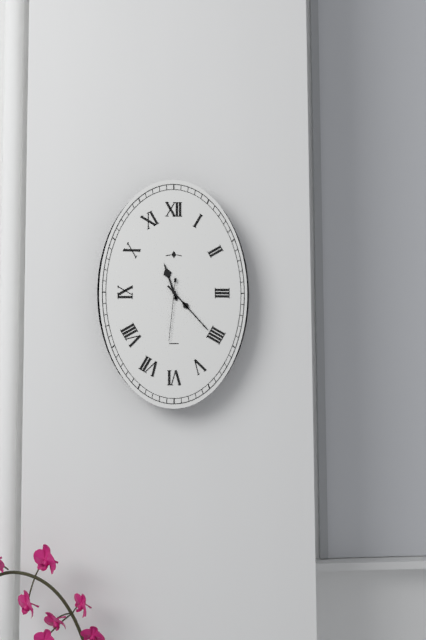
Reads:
11h23m31s
